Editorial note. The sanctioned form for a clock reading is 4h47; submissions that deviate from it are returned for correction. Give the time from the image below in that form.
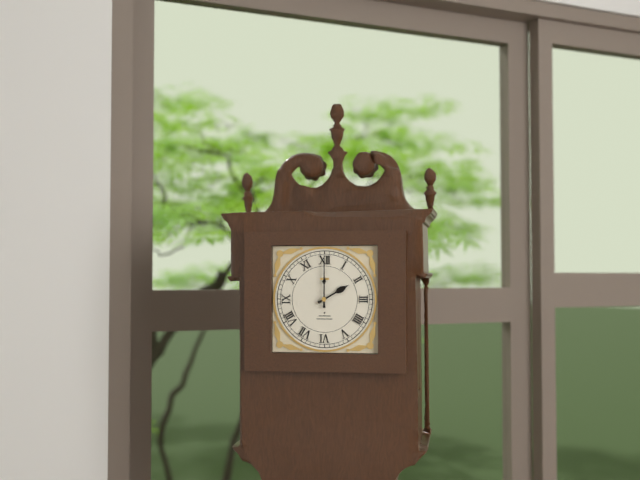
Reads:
2h00
